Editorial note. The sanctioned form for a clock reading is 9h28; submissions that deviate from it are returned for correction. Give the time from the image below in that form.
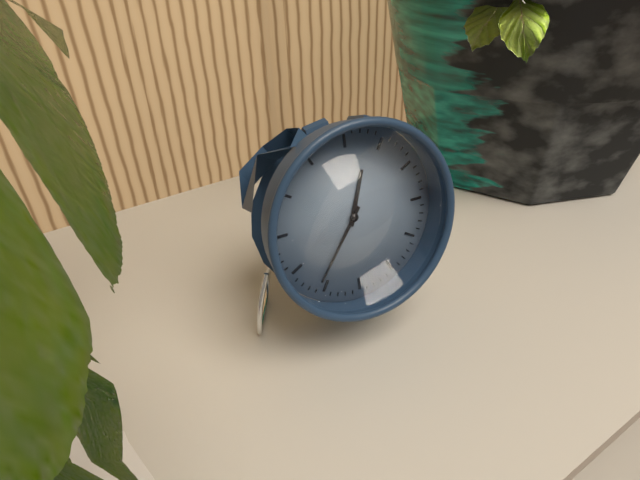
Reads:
12h36
